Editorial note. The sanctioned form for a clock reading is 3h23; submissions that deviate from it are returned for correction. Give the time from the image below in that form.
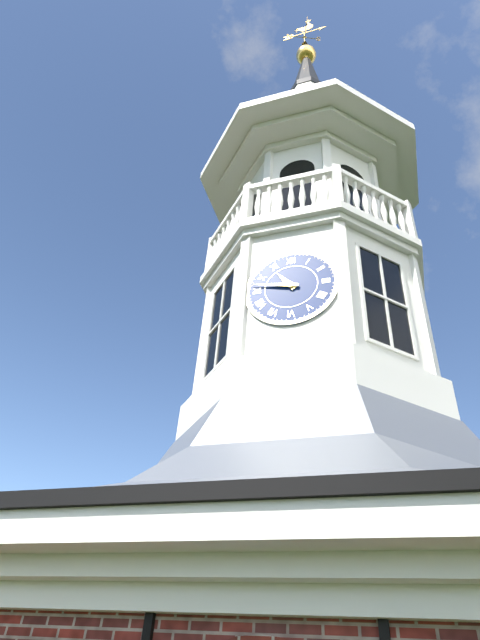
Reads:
10h47
